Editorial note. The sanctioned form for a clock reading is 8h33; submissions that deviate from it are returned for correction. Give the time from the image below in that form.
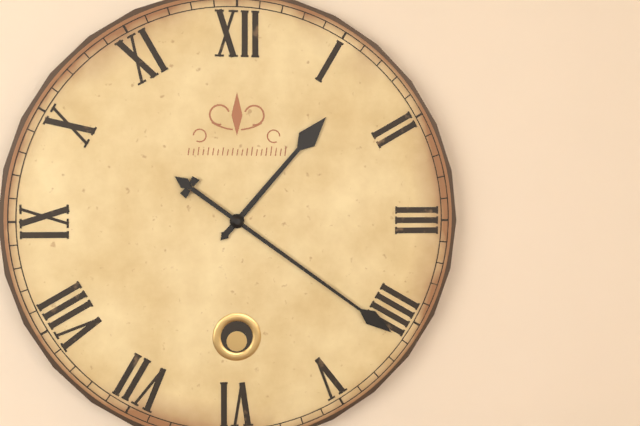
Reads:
1h21
